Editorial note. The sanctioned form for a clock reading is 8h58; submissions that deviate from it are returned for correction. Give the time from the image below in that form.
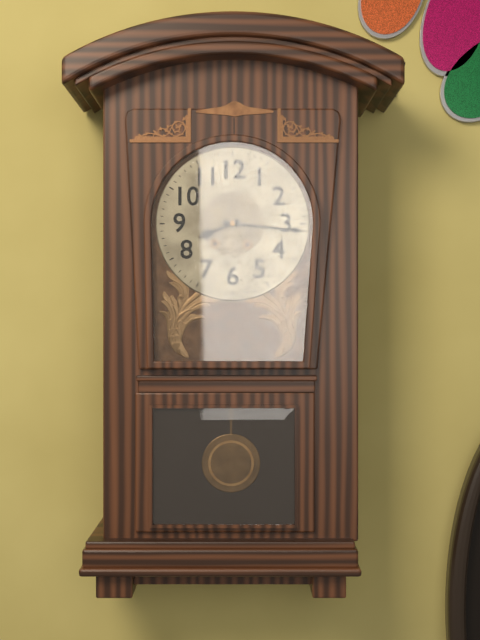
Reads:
8h16
